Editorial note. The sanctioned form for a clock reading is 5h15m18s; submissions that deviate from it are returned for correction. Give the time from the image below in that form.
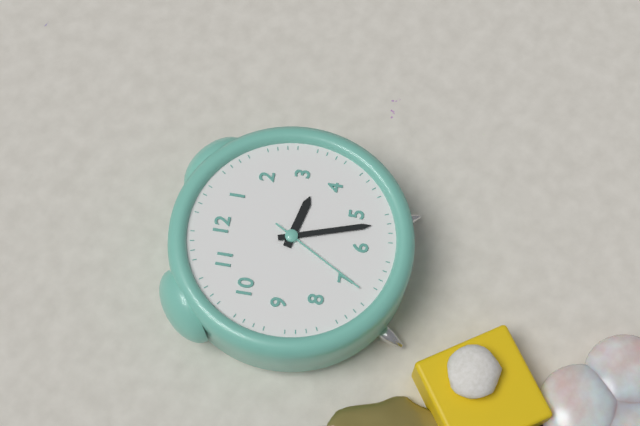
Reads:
3h27m35s
